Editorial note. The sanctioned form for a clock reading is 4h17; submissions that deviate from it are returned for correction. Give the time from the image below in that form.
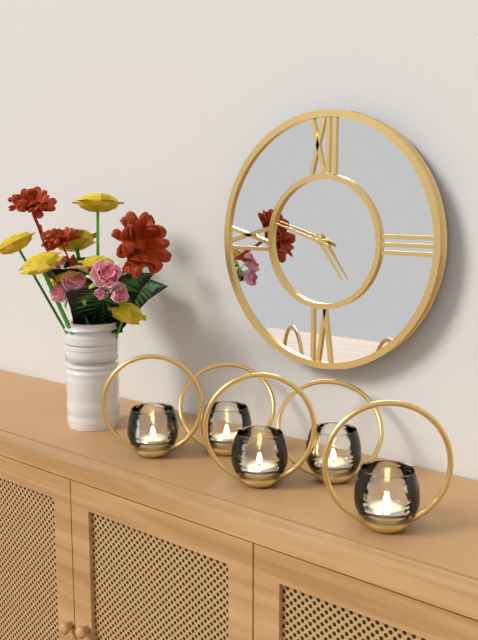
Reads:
4h48
